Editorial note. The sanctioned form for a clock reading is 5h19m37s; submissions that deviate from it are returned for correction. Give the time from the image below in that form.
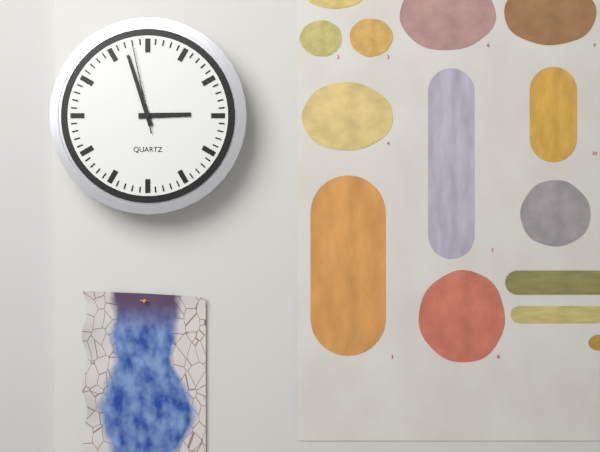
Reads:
2h57m58s
